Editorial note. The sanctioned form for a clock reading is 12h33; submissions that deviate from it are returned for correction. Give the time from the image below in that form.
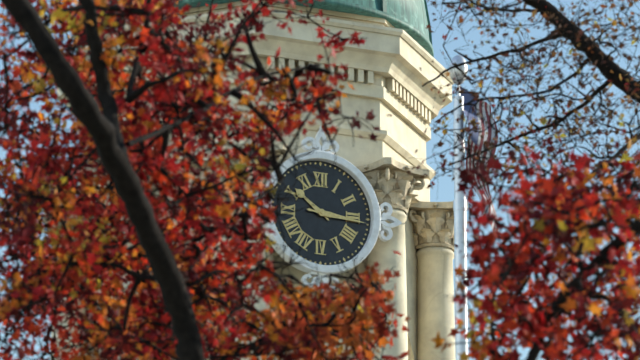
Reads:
10h16
